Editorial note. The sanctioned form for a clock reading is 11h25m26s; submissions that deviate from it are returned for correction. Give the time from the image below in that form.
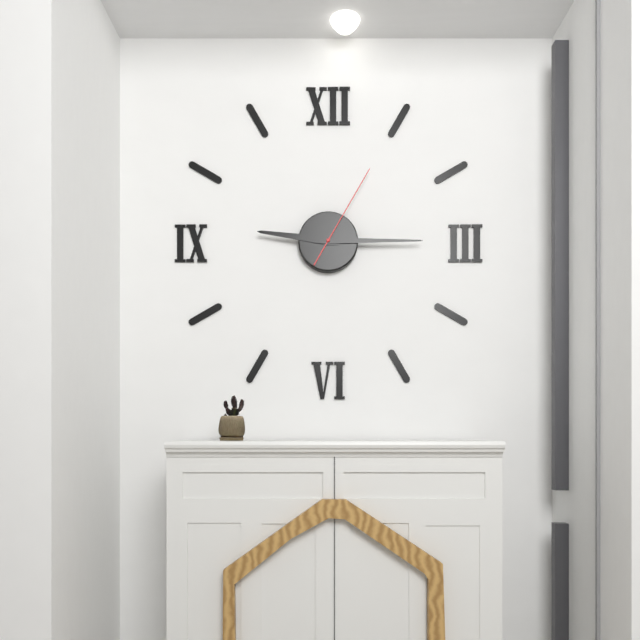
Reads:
9h15m05s
